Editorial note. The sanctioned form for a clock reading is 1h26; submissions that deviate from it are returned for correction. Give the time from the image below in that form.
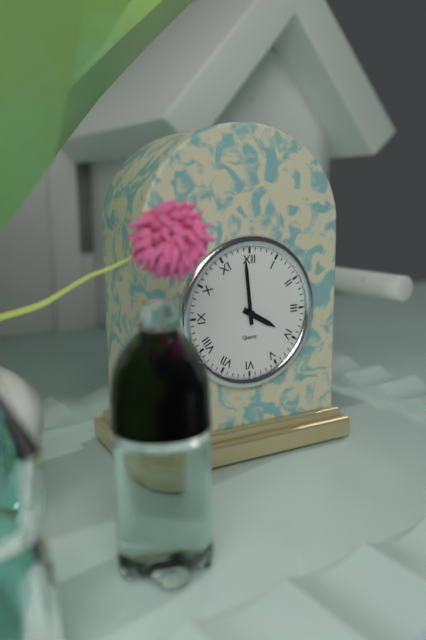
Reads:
3h59
